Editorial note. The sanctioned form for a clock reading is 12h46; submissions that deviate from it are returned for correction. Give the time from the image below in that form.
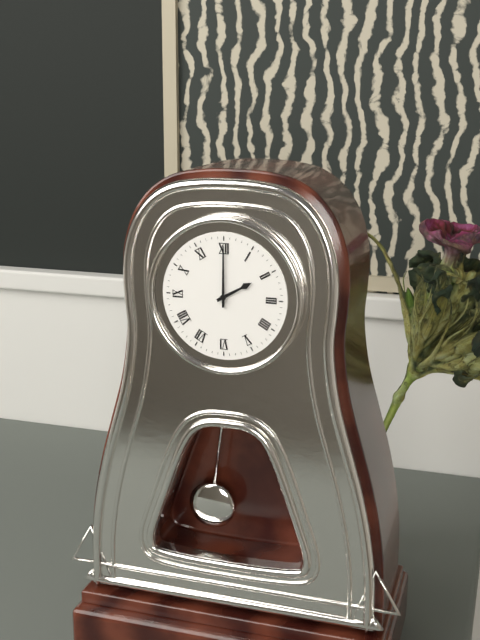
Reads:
2h00
